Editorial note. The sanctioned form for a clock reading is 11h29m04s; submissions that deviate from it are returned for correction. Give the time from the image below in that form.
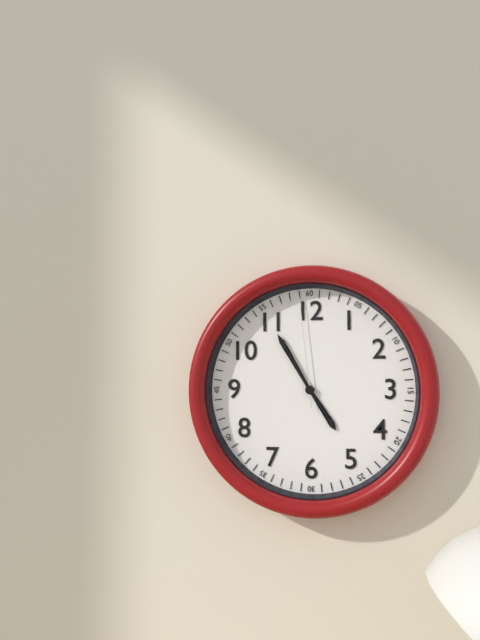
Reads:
4h55m59s
